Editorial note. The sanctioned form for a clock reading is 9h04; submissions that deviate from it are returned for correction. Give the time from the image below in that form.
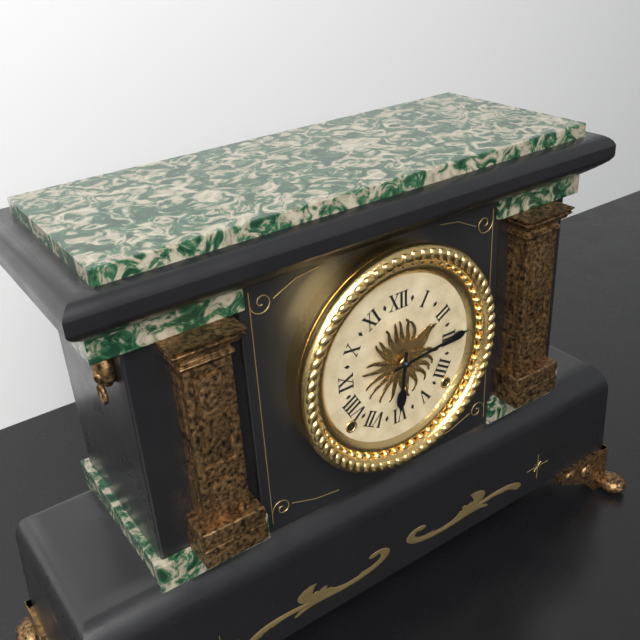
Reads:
6h14
